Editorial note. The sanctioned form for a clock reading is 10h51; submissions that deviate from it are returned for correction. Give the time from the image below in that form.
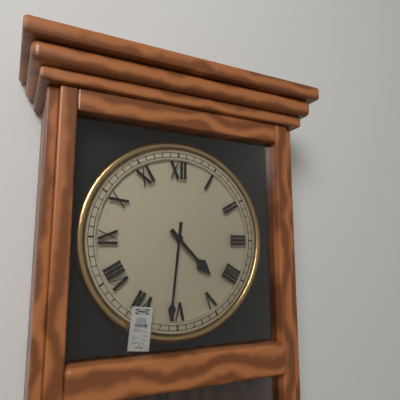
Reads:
4h31
